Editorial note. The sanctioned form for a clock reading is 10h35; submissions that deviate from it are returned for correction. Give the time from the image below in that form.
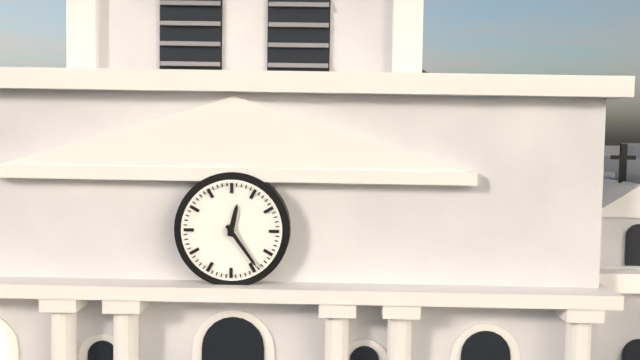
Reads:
12h24
